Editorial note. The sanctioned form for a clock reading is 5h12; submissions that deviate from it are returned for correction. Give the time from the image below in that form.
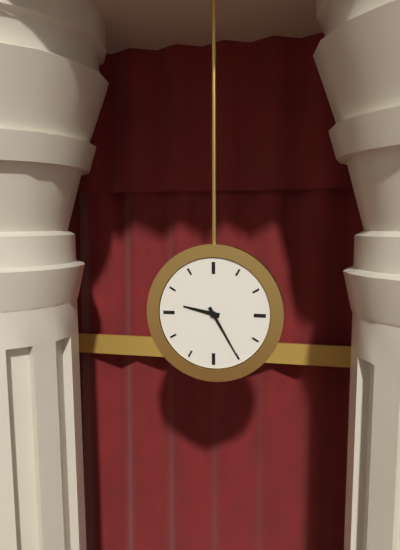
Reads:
9h25
